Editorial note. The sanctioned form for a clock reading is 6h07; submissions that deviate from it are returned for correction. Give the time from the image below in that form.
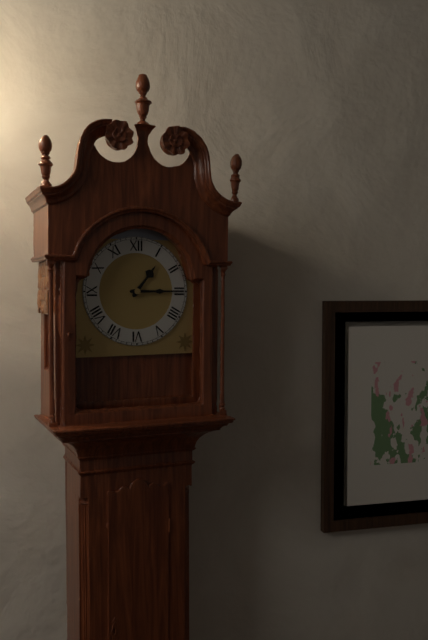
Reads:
1h15
